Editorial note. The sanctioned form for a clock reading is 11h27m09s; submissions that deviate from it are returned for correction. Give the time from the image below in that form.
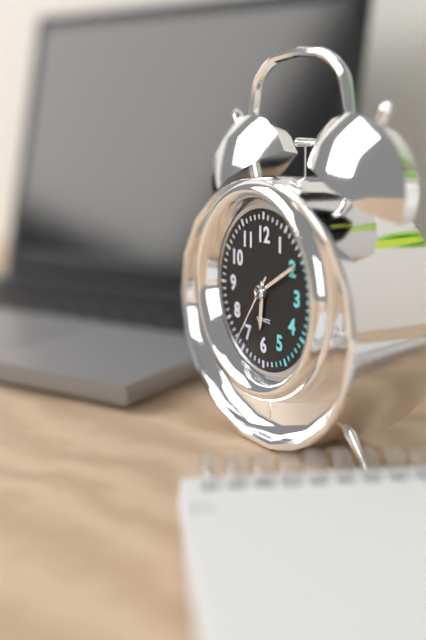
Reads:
6h10m36s
